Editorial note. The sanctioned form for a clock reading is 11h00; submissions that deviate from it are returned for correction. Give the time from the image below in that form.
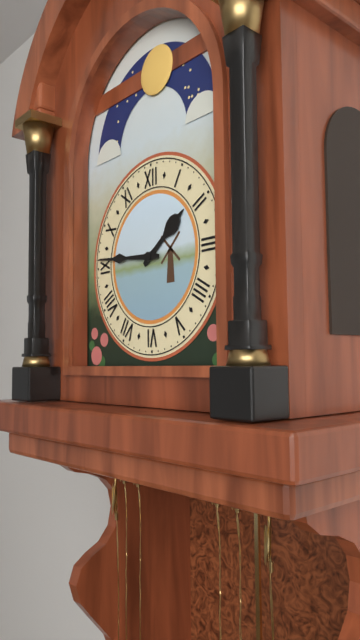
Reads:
1h46
